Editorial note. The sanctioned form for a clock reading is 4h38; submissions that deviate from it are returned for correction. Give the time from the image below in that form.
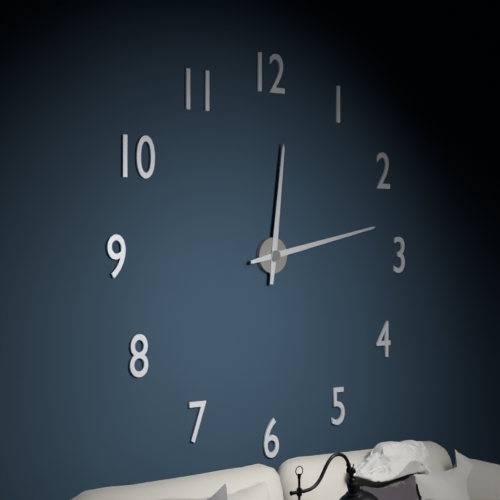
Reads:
12h13
